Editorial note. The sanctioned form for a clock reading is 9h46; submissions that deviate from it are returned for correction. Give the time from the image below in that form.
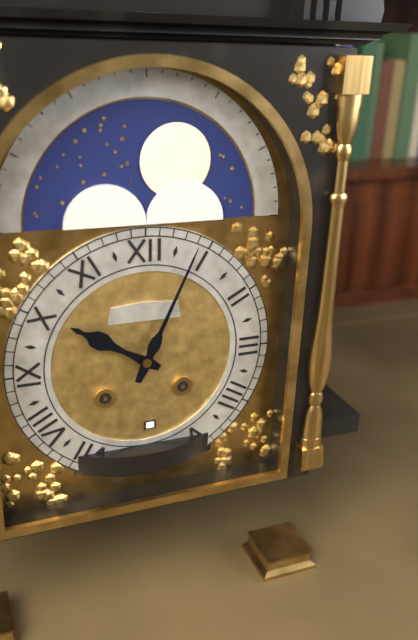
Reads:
10h04
